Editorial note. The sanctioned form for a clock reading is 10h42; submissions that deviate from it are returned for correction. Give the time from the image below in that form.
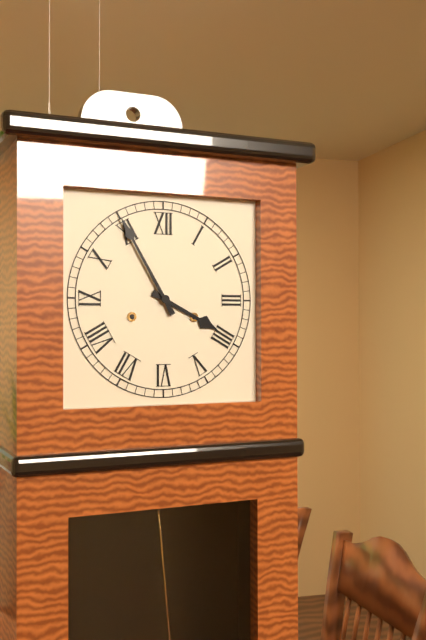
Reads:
3h55
